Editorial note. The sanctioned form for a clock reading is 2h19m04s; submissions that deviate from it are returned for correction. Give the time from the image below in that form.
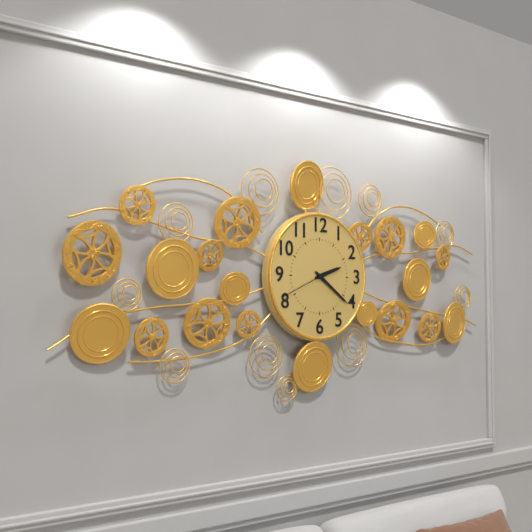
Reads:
2h21m41s
